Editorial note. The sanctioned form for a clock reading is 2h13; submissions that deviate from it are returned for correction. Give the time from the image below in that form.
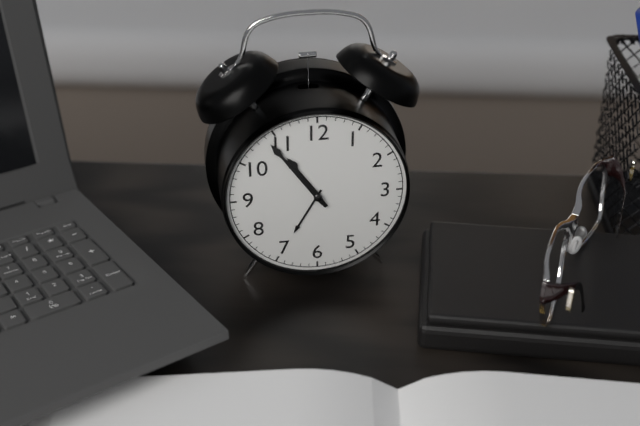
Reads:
10h54
